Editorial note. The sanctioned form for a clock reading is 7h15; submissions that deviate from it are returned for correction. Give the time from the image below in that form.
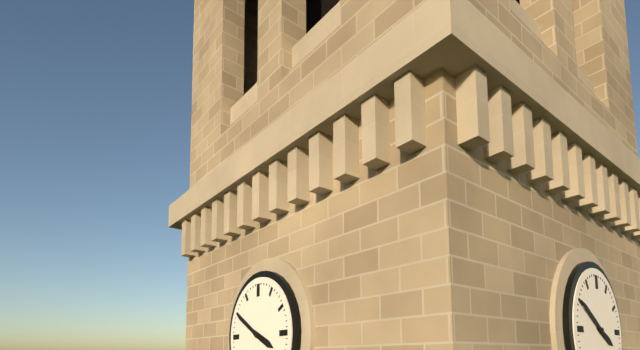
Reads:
3h50
